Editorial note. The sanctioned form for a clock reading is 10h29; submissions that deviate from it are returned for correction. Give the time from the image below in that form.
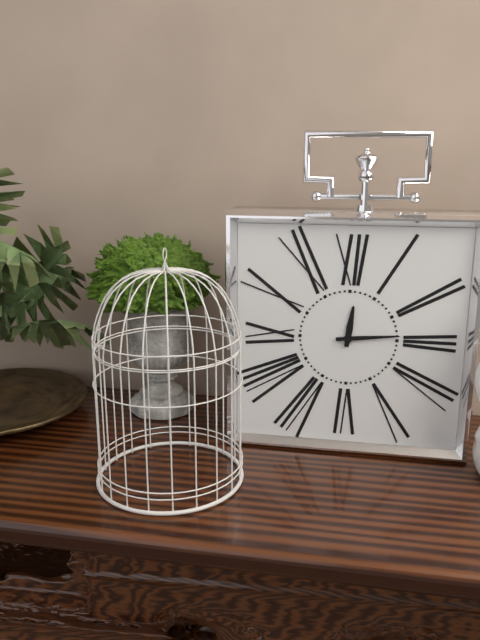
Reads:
12h14
